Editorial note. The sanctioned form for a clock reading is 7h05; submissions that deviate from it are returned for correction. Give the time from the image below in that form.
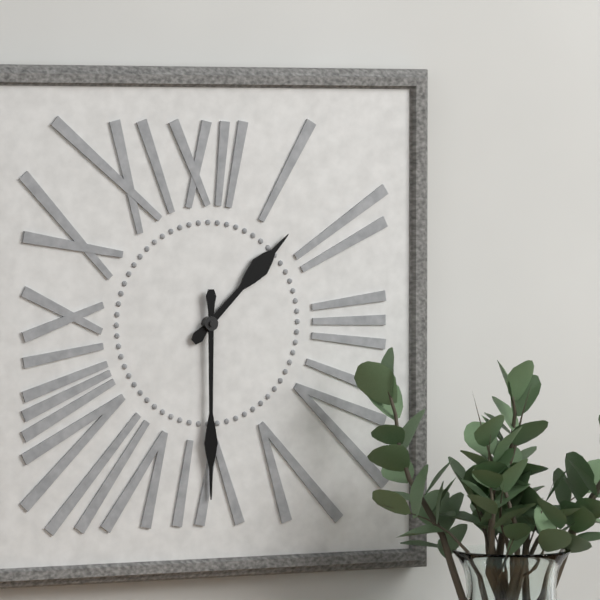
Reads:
1h30
